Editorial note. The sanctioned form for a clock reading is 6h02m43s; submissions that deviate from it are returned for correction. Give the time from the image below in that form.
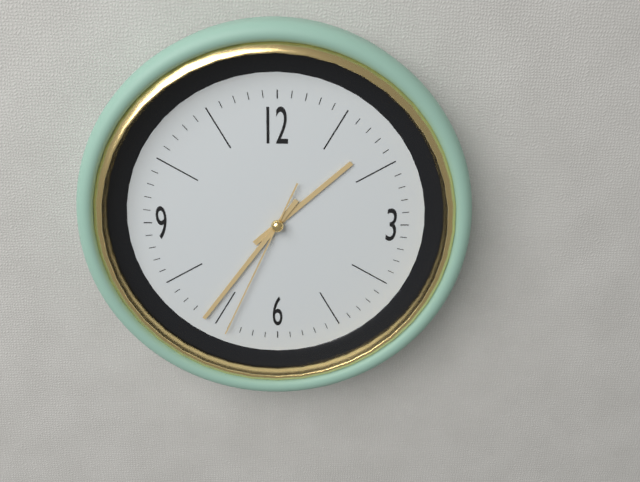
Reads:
1h36m34s
